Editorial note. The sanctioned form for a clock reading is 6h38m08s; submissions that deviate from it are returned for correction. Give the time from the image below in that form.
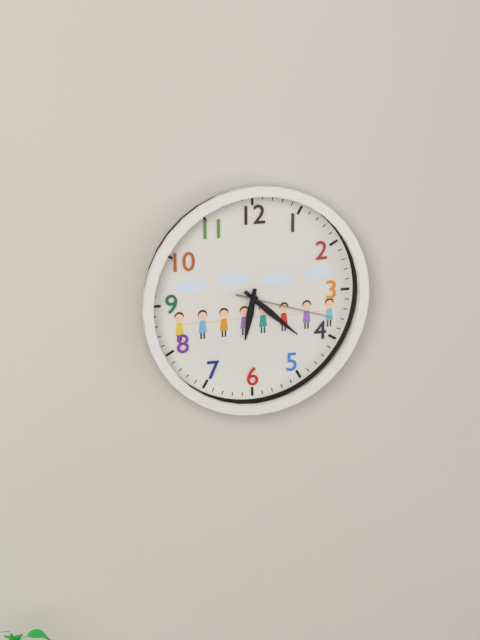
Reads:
6h22m18s
